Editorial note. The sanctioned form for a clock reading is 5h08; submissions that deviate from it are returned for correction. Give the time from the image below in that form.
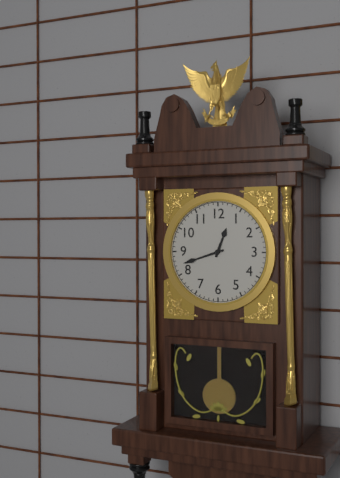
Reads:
12h42
